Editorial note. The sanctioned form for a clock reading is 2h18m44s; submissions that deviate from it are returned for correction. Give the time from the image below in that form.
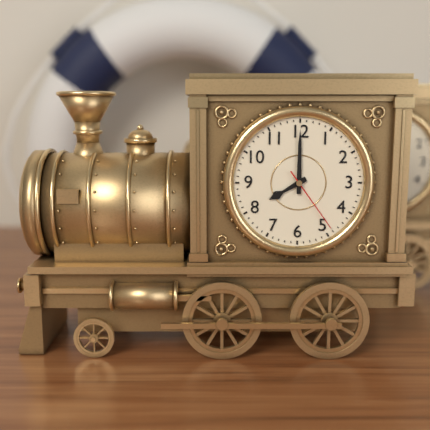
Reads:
8h00m24s
